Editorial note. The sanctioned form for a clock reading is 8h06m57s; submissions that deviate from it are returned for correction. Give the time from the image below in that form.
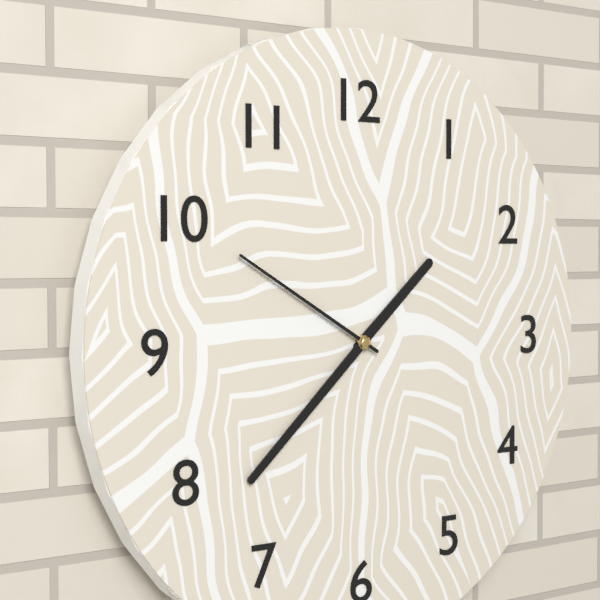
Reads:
1h38m50s
